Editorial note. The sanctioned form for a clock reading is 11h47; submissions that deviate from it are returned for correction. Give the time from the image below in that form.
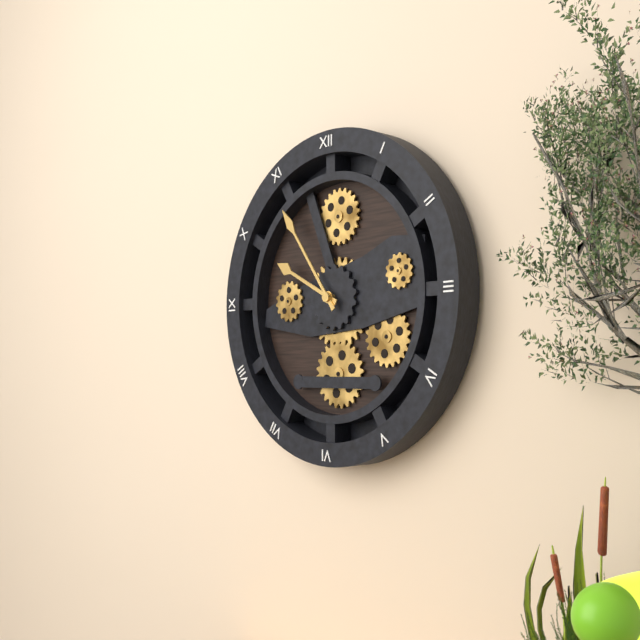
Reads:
9h54
